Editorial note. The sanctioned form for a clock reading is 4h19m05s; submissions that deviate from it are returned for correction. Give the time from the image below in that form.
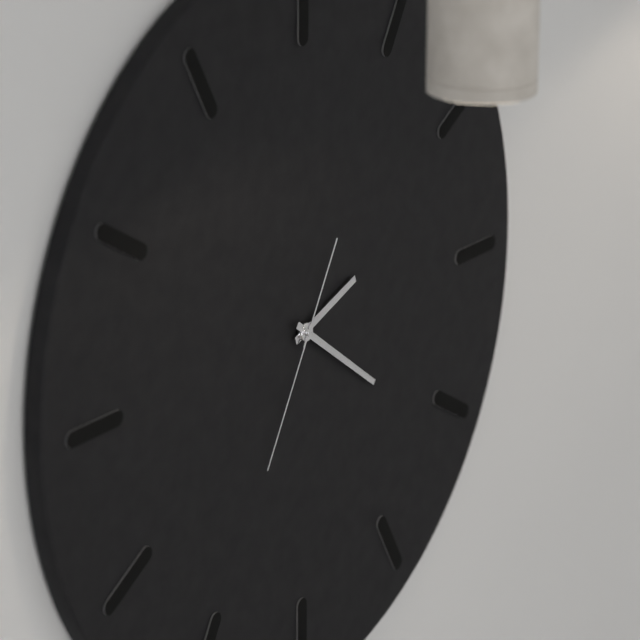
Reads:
2h21m35s
